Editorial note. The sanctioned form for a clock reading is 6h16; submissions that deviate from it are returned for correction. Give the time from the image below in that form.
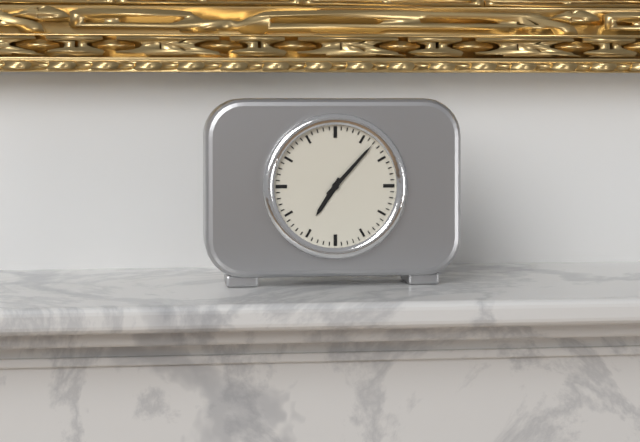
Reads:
7h07
